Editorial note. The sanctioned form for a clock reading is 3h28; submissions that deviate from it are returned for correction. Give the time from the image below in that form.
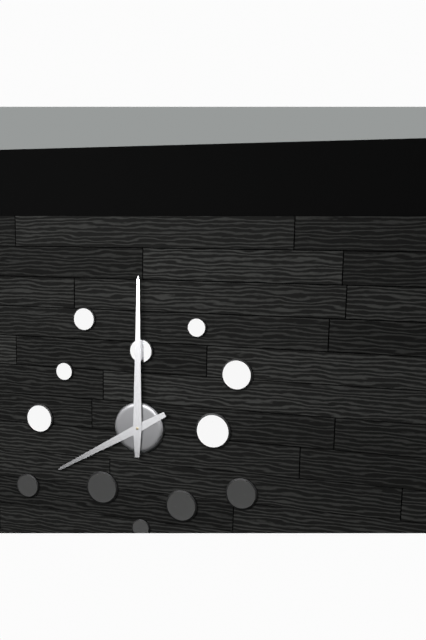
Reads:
8h00
